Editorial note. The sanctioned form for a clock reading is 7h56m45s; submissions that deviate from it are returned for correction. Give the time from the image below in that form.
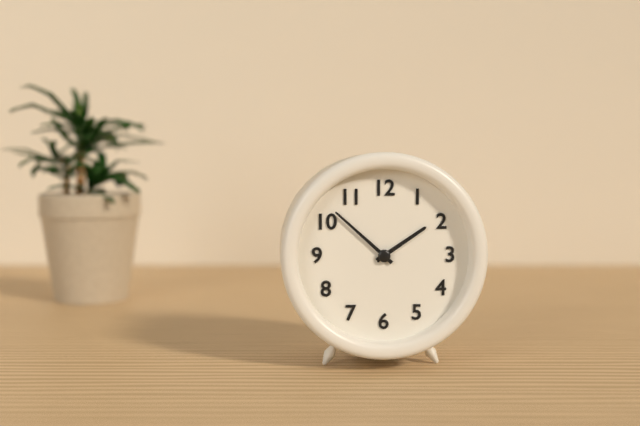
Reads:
1h52m52s
